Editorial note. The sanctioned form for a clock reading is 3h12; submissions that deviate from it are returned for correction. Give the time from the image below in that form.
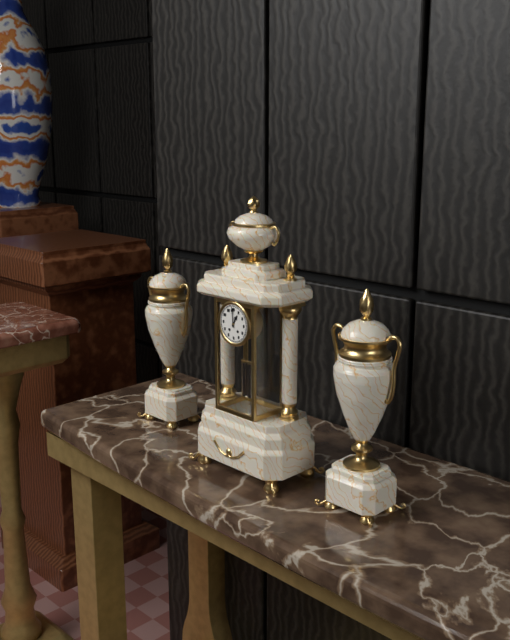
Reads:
12h59
